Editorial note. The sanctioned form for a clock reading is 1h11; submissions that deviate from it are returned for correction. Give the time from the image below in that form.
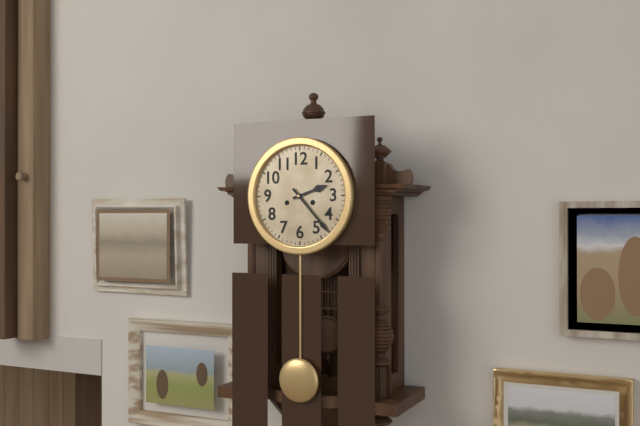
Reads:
2h23
